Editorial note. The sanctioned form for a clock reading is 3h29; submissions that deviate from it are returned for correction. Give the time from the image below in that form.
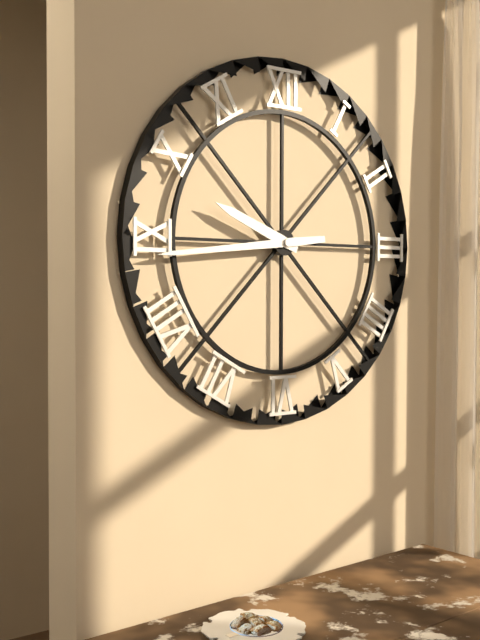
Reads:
9h44
